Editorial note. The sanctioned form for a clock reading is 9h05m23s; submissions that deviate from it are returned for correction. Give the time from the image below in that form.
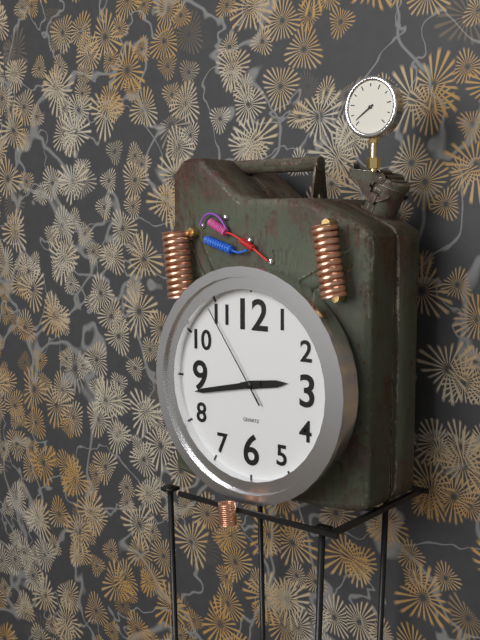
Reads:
2h43m54s
